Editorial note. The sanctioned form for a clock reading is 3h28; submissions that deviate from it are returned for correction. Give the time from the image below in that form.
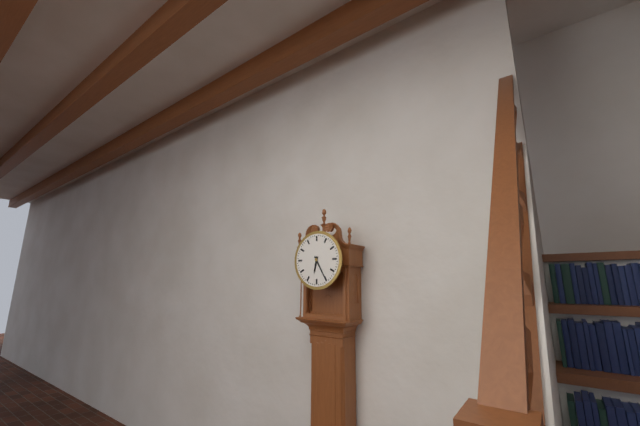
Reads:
6h25
